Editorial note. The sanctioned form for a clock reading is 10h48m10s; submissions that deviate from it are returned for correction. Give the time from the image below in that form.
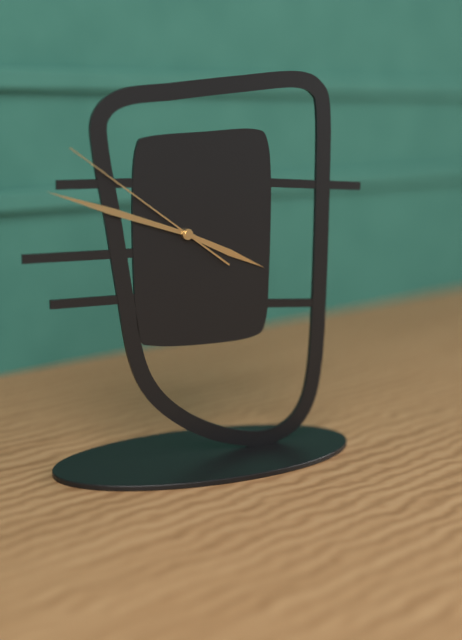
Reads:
3h48m51s
